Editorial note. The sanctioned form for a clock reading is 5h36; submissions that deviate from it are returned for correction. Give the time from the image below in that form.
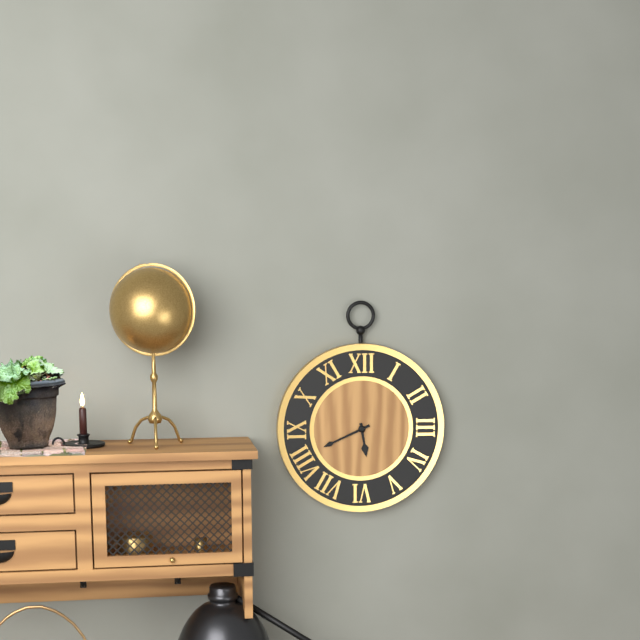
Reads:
5h41
